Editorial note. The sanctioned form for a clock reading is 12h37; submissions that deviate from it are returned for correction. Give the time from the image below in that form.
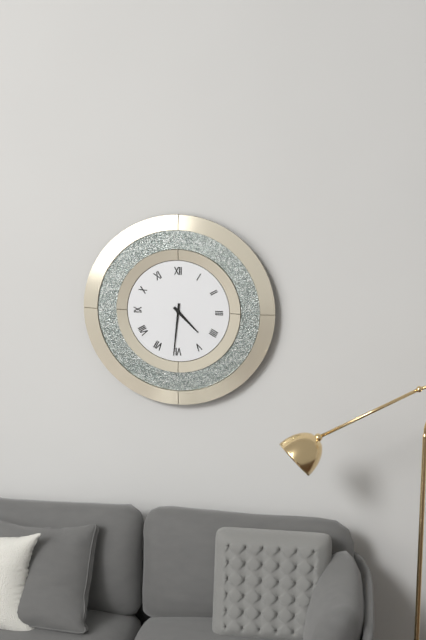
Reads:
4h31
